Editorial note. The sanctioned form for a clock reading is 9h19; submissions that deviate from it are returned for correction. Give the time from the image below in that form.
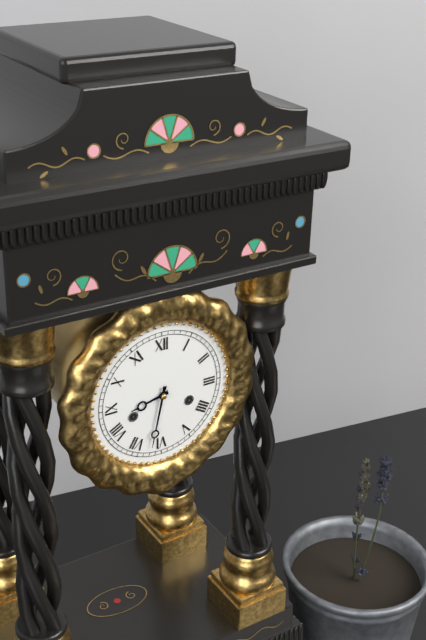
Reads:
8h32
